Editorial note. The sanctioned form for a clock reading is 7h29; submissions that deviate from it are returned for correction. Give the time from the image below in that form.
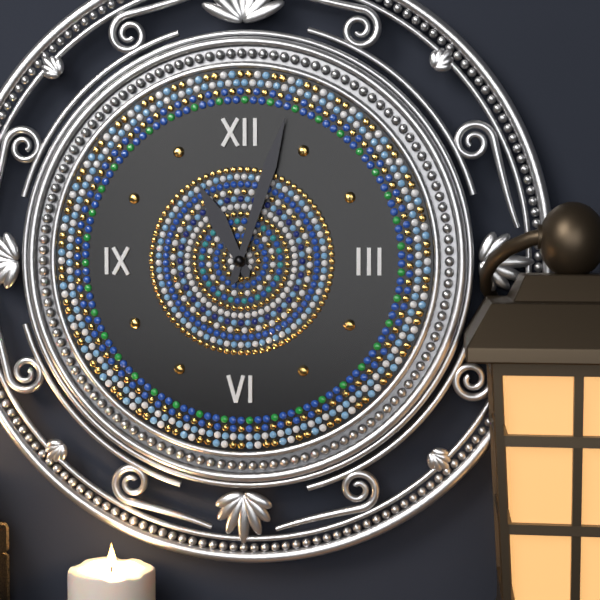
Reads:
11h03
